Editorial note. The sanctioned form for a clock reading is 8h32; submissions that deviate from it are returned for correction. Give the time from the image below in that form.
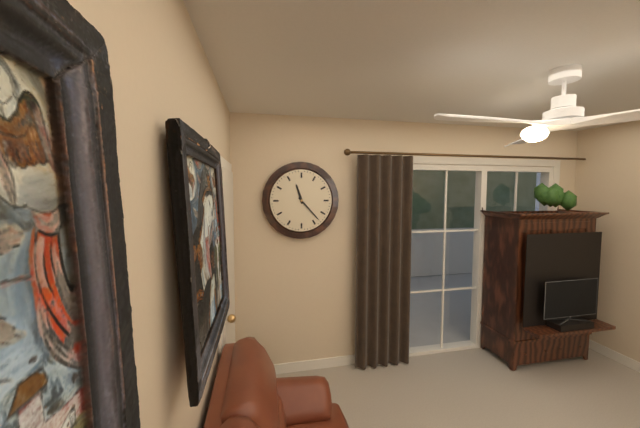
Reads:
11h23
